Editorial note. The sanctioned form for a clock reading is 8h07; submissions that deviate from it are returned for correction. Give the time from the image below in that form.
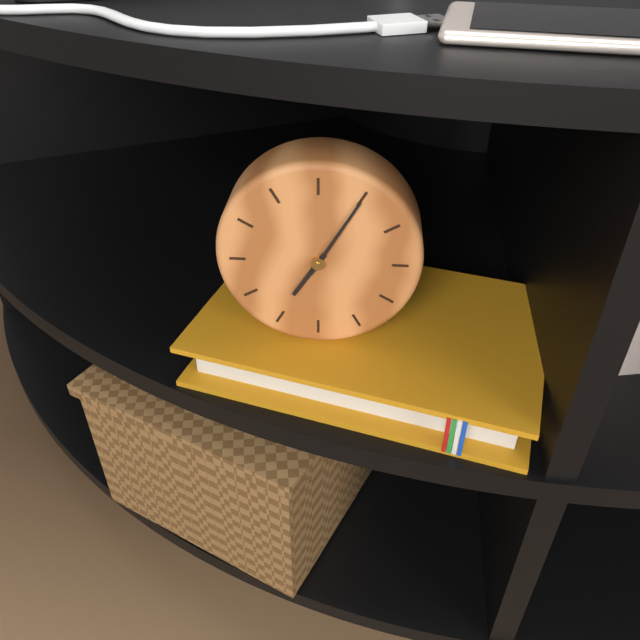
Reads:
7h05
